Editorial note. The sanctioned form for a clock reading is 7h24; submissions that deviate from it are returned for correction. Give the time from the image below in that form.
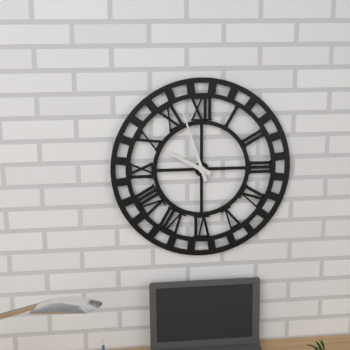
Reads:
9h57
